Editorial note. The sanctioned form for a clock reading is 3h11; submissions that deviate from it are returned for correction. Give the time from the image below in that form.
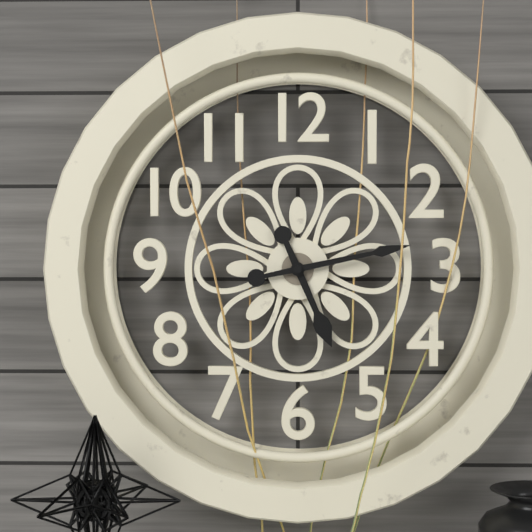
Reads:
5h13
